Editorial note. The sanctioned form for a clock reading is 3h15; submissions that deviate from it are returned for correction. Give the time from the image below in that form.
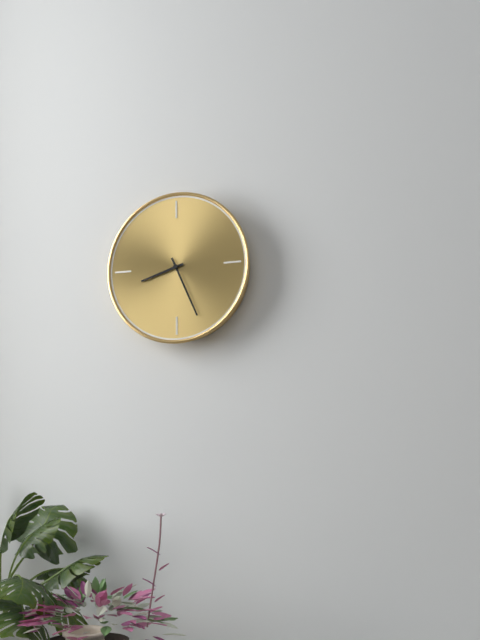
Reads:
8h26
